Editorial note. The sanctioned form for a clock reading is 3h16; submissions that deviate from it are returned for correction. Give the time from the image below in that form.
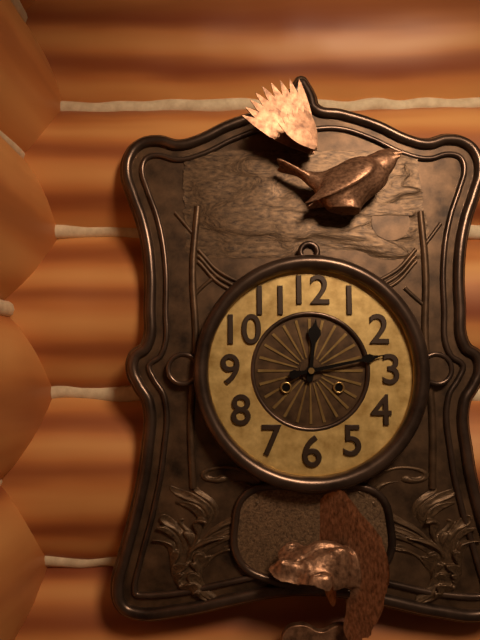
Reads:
12h13
